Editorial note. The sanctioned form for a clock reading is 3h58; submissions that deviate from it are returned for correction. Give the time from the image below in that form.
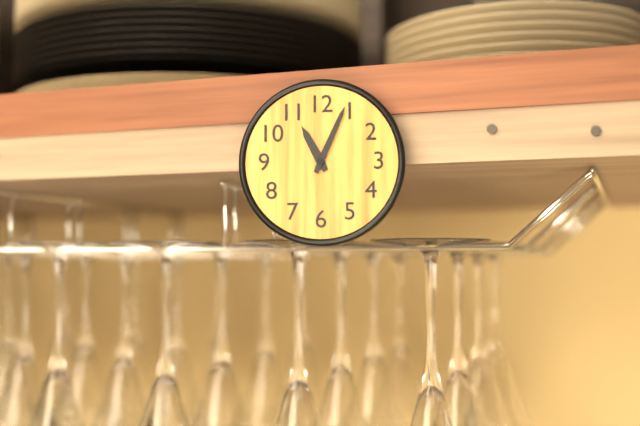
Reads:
11h04
